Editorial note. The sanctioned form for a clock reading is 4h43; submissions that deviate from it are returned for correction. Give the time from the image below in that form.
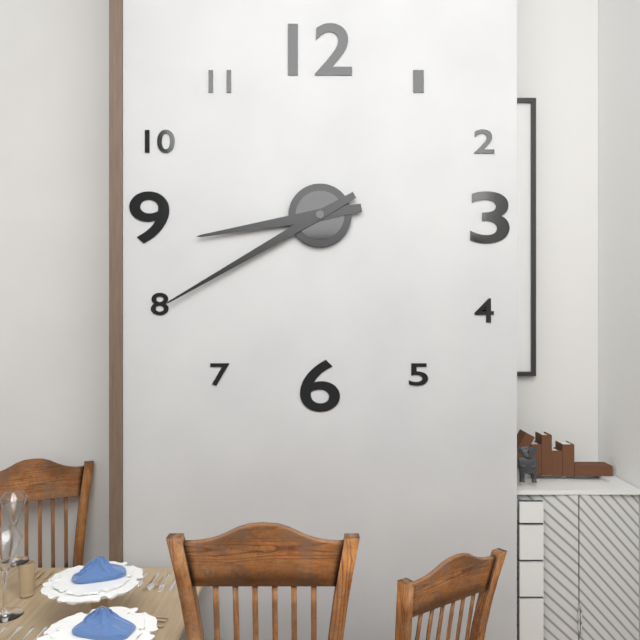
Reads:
8h40
